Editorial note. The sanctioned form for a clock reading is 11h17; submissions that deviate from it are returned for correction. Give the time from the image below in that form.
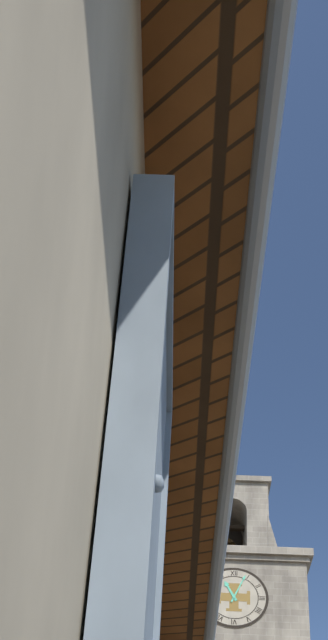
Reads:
11h04
